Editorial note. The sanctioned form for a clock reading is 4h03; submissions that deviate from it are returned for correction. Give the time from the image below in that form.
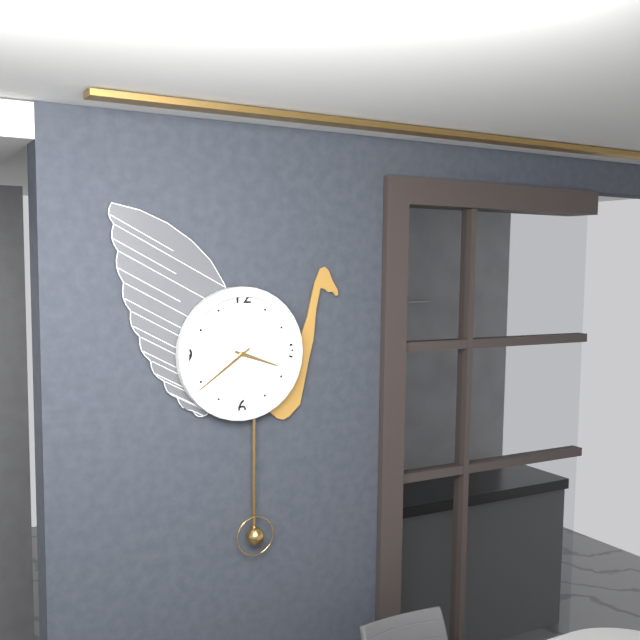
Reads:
3h39
